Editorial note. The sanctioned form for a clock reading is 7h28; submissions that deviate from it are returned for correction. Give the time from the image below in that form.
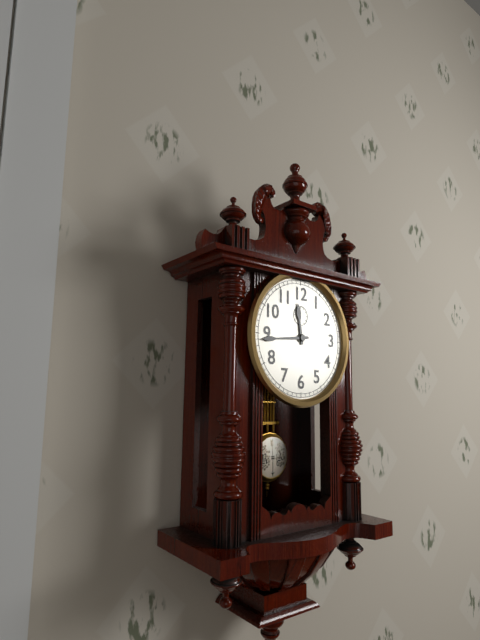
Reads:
11h44
